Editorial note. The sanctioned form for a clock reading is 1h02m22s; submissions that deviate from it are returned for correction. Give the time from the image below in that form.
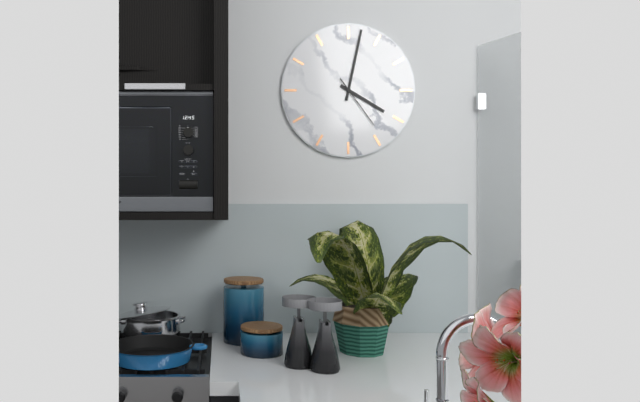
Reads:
4h02m24s
